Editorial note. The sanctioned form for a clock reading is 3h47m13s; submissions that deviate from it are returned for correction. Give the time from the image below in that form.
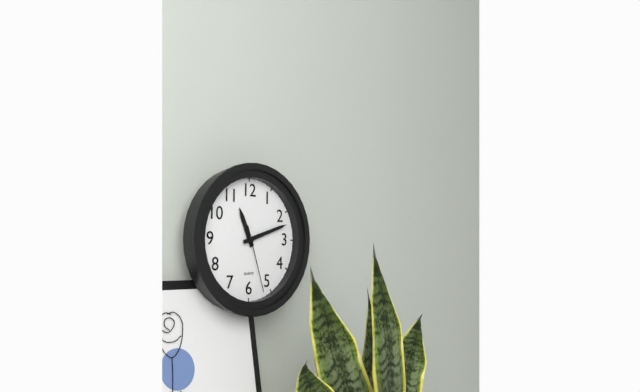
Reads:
11h12m27s
